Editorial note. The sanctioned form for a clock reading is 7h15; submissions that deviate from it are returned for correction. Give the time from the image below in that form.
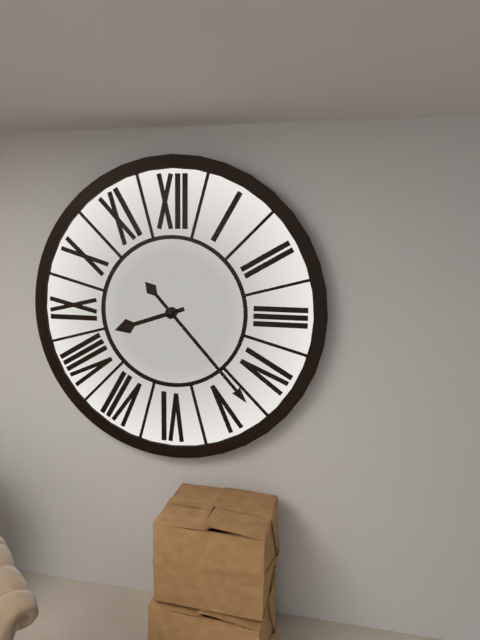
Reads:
8h23
